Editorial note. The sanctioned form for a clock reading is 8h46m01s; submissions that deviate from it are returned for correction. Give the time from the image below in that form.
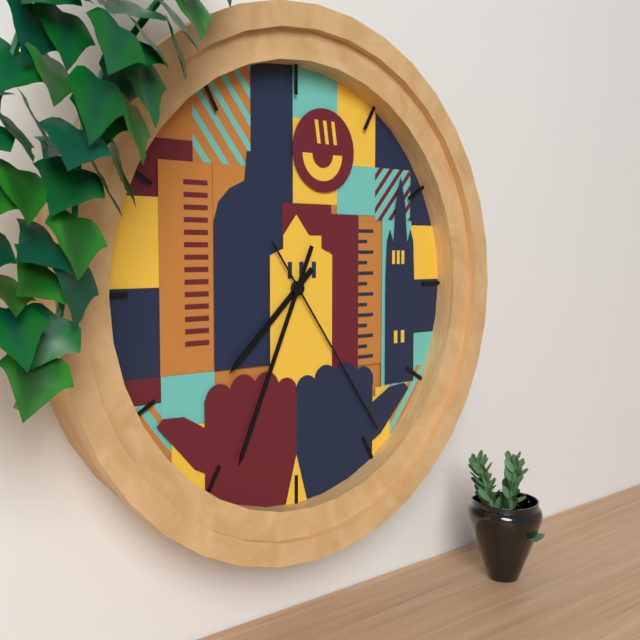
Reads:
7h34m24s
